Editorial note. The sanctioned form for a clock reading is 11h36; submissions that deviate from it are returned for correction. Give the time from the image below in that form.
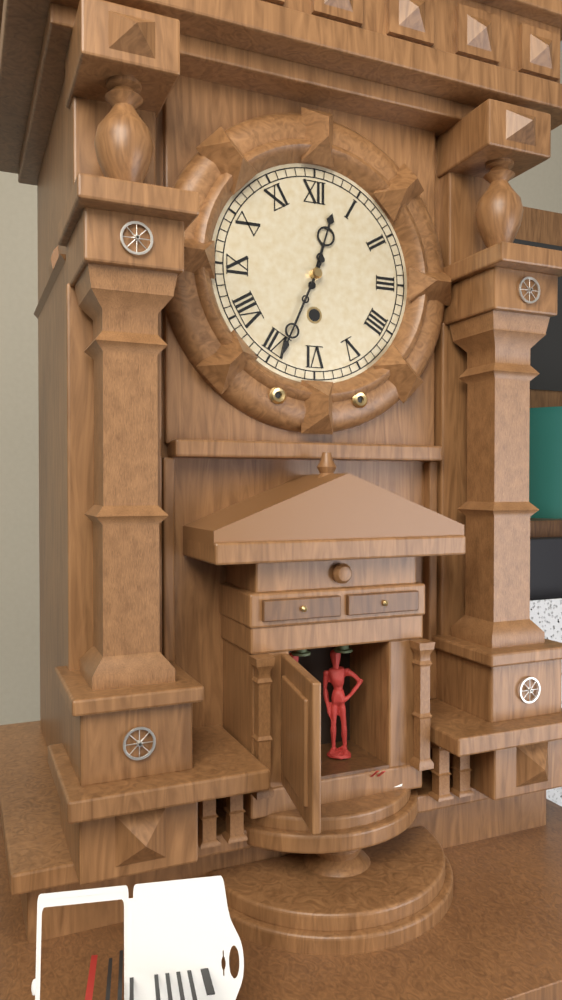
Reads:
12h34
